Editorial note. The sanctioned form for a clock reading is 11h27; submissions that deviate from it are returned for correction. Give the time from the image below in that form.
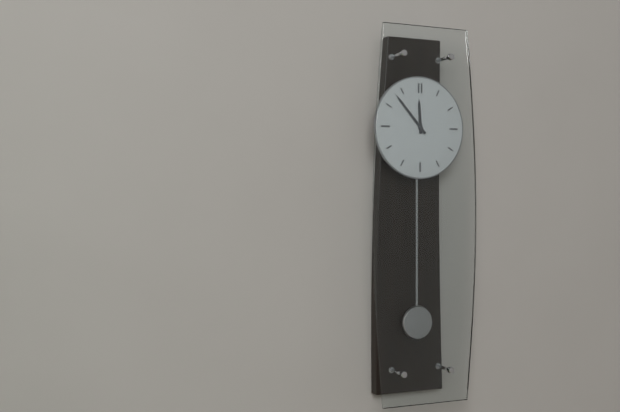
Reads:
11h53
